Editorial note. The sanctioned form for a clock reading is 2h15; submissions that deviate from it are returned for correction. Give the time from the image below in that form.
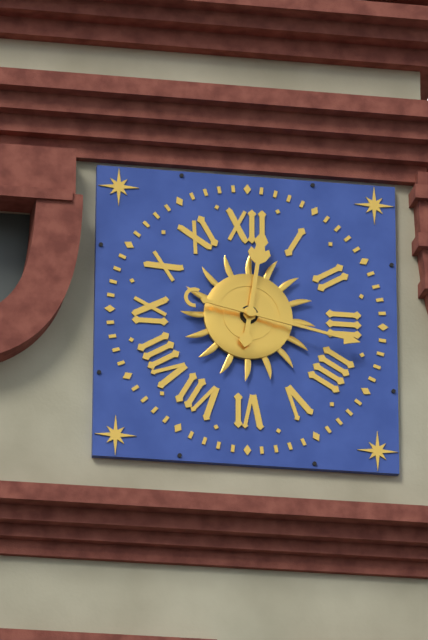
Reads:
12h17
